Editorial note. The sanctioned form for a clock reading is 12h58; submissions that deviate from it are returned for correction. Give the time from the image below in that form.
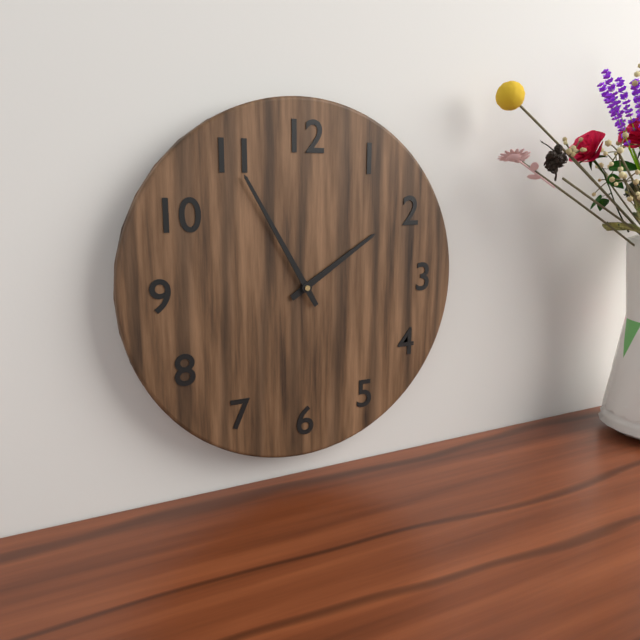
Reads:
1h55
